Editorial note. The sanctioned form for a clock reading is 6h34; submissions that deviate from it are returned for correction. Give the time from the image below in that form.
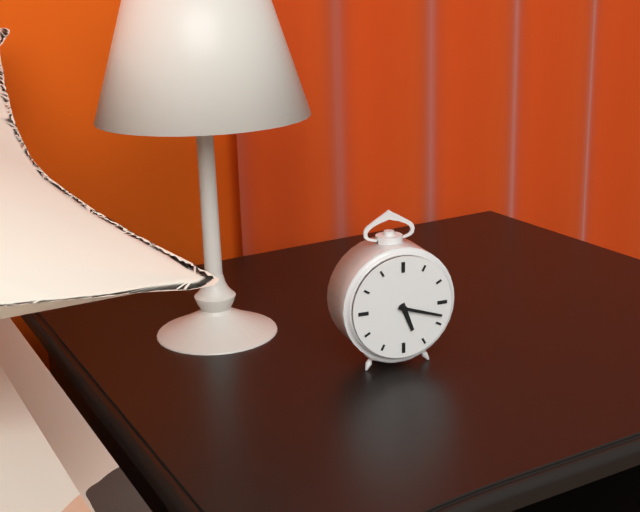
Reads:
5h18
